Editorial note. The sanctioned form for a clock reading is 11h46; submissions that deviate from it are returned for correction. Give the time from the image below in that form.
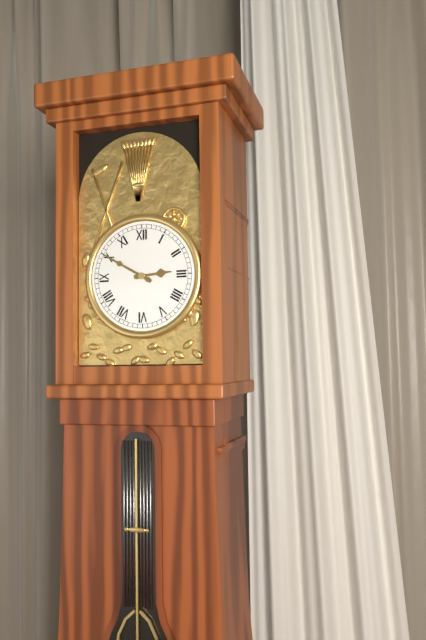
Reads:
2h50
